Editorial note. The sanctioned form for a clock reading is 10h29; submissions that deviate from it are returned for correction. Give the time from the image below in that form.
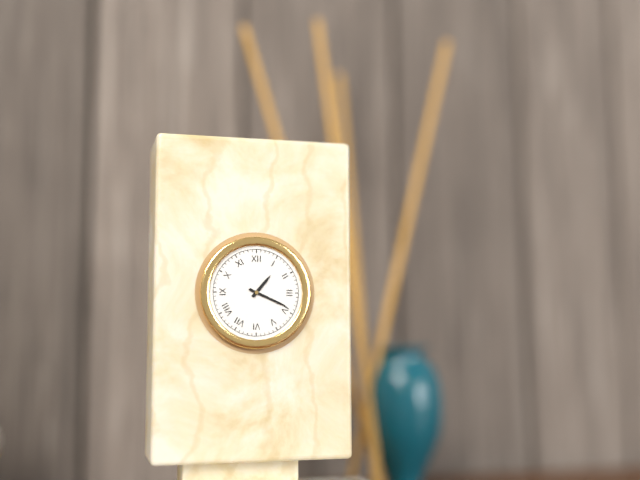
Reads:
1h19
